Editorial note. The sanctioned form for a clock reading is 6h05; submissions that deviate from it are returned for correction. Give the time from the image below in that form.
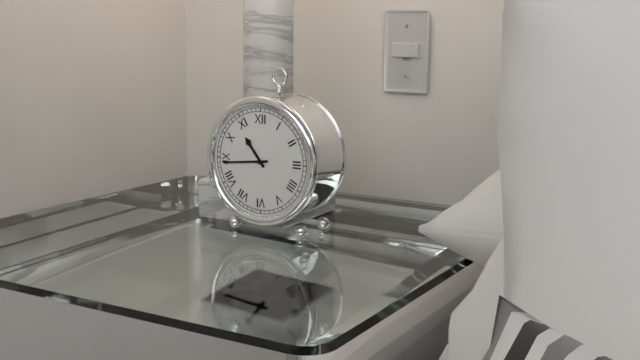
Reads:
10h44
